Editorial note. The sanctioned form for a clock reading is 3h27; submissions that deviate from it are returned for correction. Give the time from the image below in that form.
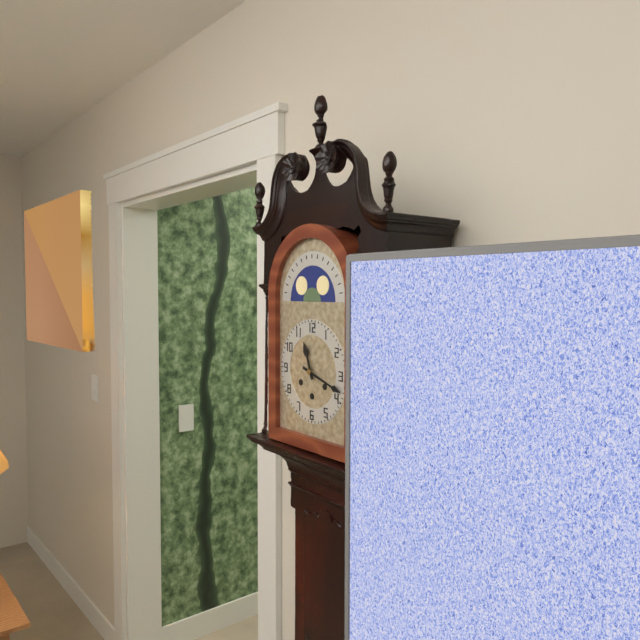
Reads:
11h18
